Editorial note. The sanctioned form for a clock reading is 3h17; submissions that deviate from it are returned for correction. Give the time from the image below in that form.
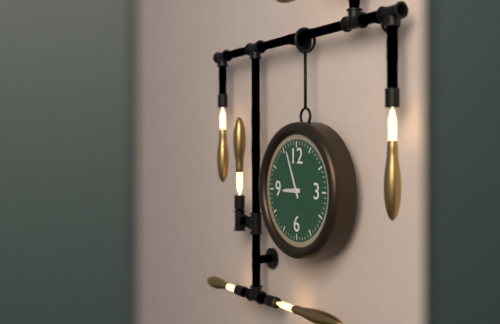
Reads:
8h56
